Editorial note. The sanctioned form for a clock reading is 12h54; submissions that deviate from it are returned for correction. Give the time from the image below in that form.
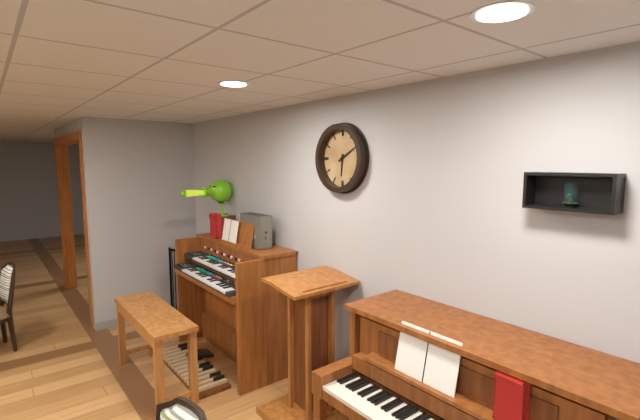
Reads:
6h10
